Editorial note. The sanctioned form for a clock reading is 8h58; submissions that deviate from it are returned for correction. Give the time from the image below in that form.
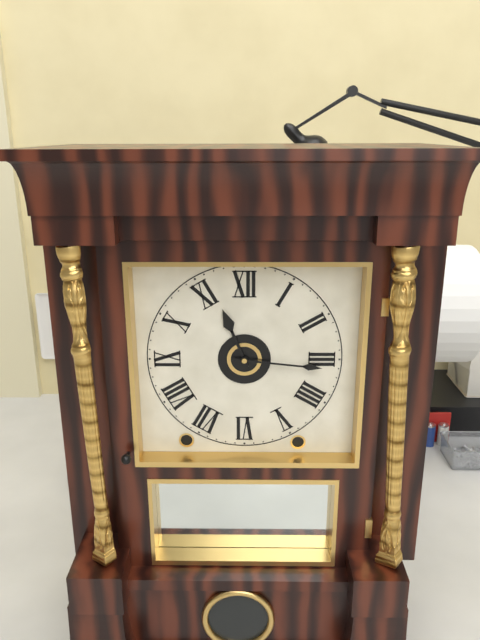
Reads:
11h16
